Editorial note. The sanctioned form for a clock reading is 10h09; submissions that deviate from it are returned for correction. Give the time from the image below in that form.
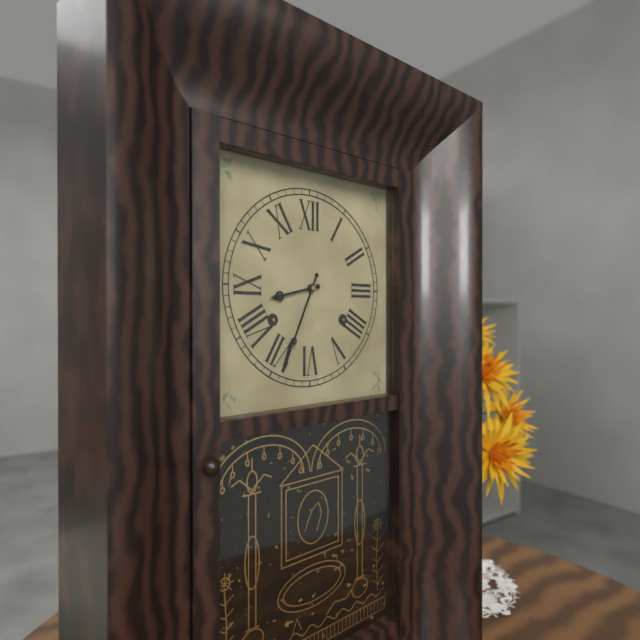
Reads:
8h34
